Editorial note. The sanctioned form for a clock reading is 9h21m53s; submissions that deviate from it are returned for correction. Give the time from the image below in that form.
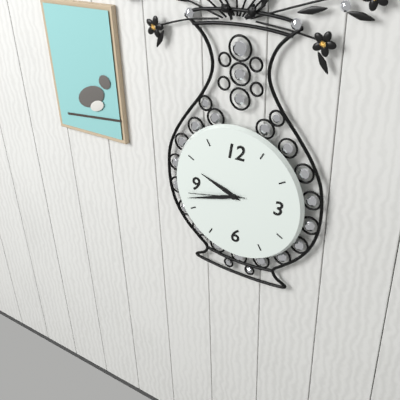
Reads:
9h42m43s
